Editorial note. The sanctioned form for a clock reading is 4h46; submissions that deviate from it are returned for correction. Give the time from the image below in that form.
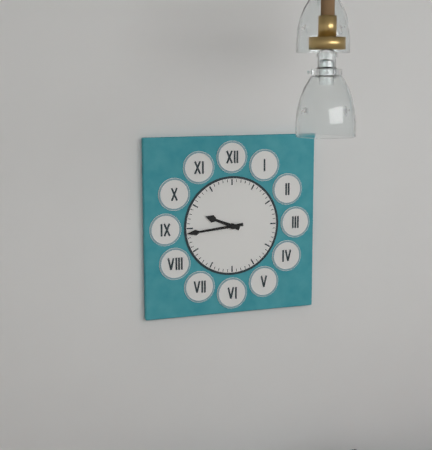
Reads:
9h44
